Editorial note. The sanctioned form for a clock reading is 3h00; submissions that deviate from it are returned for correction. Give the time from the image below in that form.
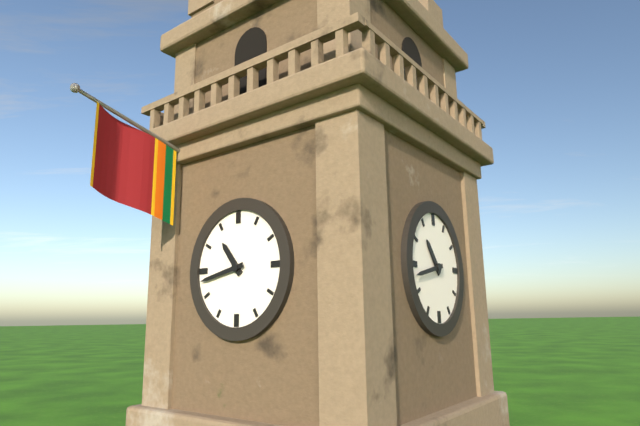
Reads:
10h43
